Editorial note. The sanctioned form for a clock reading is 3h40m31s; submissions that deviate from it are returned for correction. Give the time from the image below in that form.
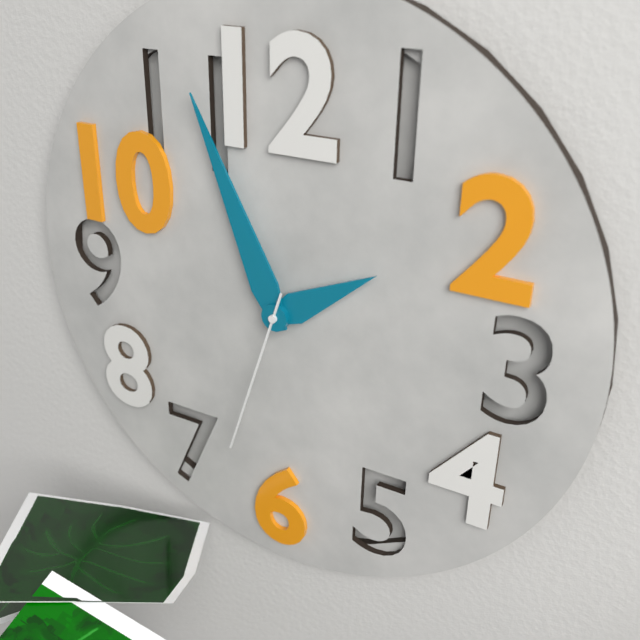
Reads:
1h56m33s
